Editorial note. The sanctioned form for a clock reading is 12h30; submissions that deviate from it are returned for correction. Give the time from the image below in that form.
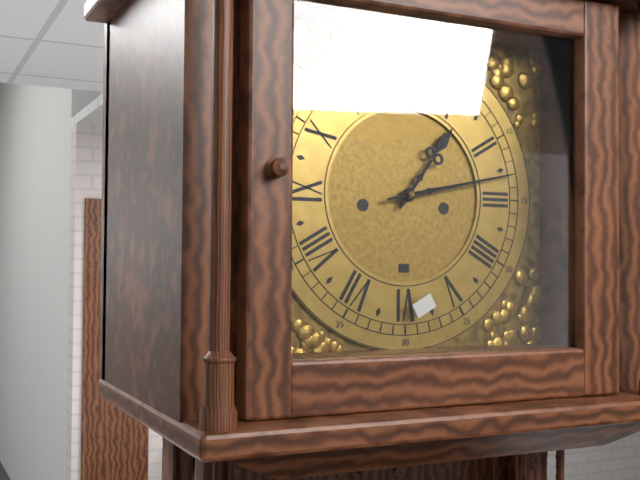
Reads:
1h13
